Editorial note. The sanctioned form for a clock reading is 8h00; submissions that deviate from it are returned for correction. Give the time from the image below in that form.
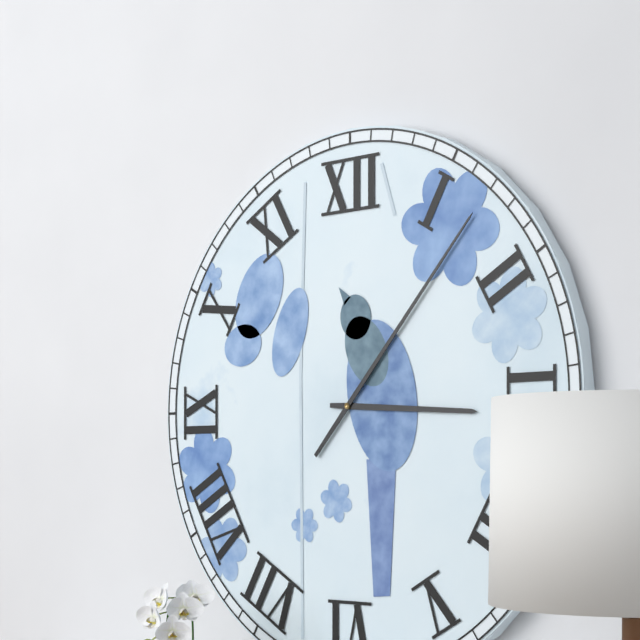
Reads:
3h07
